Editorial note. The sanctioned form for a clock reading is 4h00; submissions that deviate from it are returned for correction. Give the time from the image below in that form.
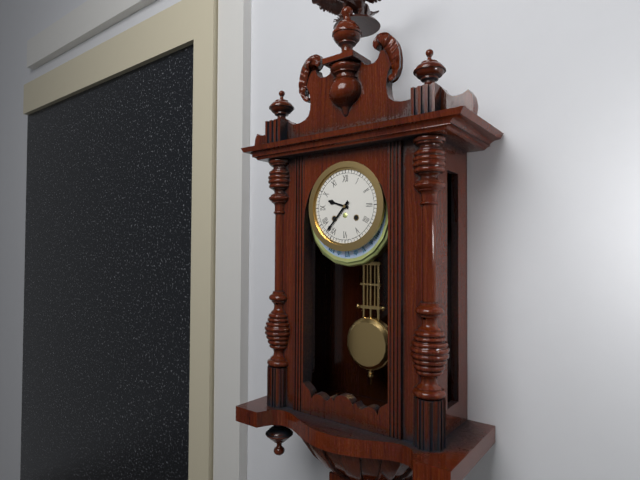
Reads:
9h37
